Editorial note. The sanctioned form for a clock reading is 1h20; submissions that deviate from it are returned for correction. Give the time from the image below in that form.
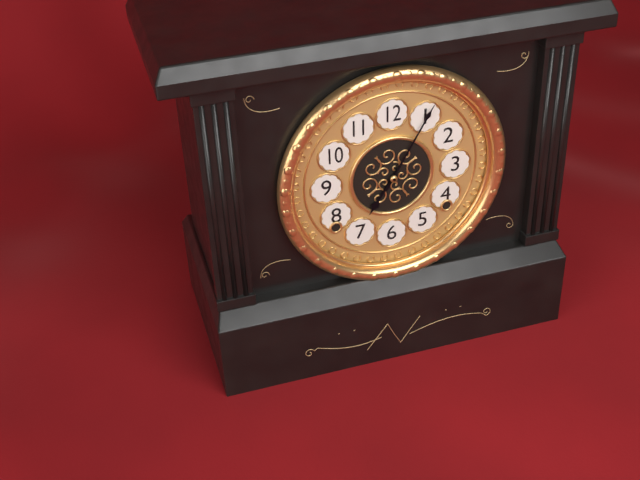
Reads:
7h05
